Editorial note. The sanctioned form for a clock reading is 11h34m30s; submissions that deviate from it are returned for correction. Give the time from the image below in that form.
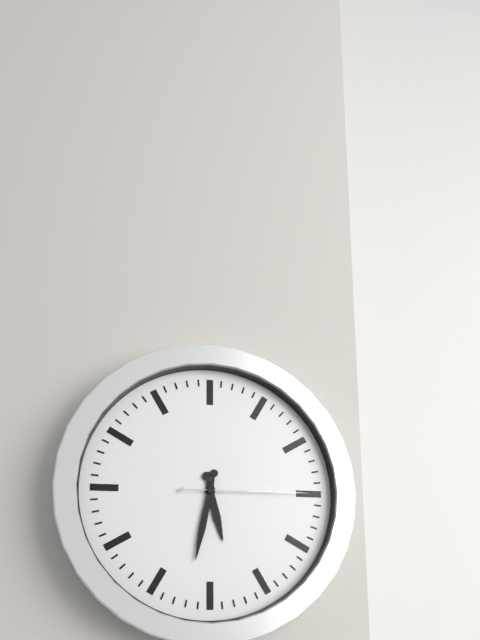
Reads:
5h32m15s
